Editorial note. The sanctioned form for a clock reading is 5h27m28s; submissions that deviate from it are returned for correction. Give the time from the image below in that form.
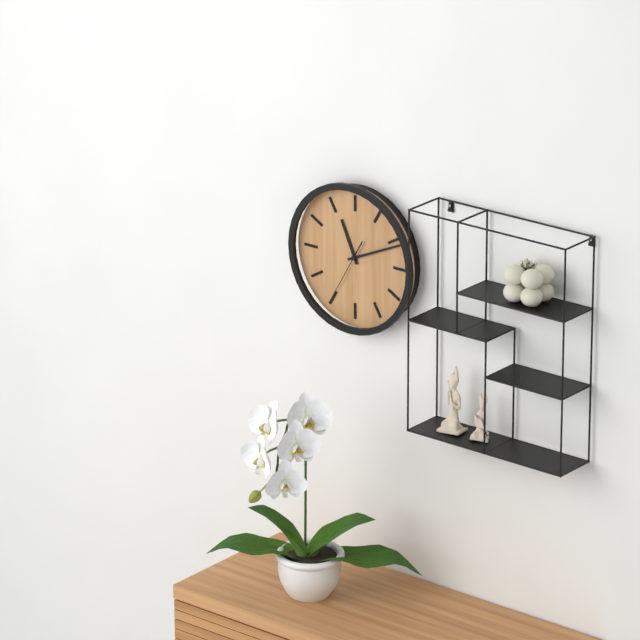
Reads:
11h11m35s
